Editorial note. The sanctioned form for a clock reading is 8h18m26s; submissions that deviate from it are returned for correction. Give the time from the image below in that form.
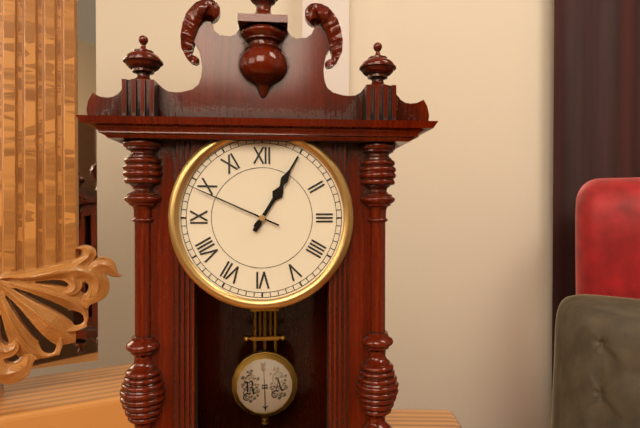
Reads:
1h05m49s
